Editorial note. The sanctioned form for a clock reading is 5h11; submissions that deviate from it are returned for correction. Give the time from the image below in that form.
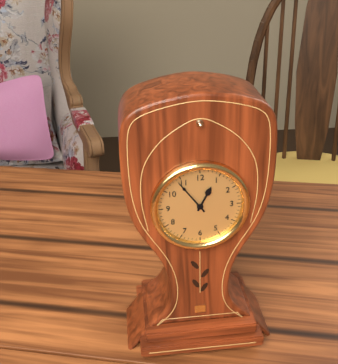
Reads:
12h54
